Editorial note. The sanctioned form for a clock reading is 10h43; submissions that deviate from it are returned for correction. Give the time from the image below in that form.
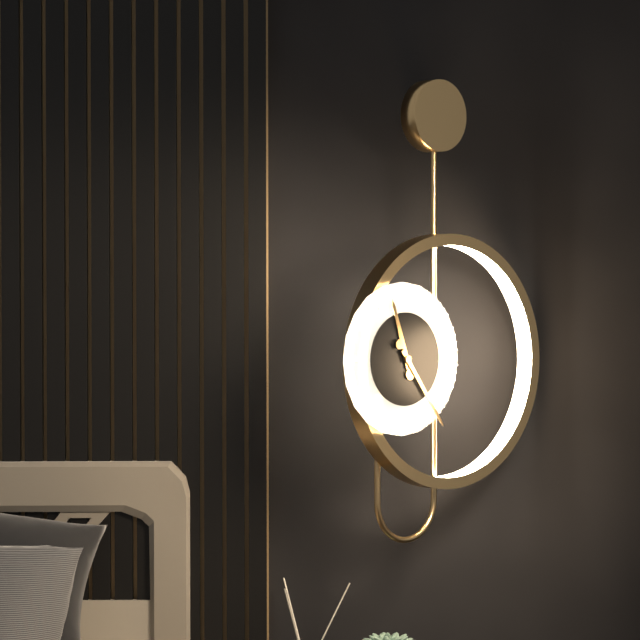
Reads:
11h24
